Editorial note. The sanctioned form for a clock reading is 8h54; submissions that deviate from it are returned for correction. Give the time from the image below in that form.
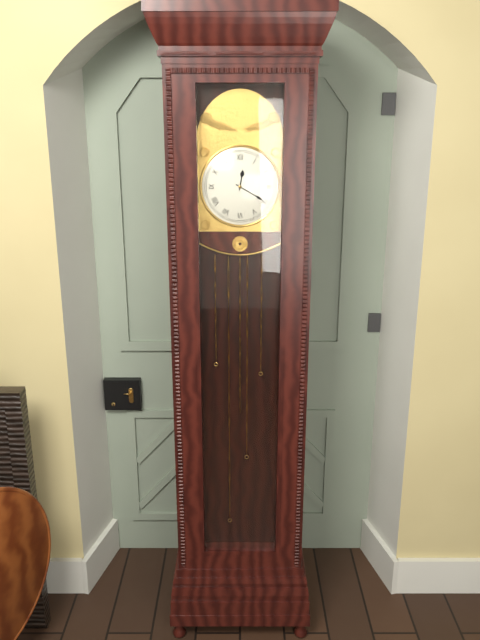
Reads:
12h20
